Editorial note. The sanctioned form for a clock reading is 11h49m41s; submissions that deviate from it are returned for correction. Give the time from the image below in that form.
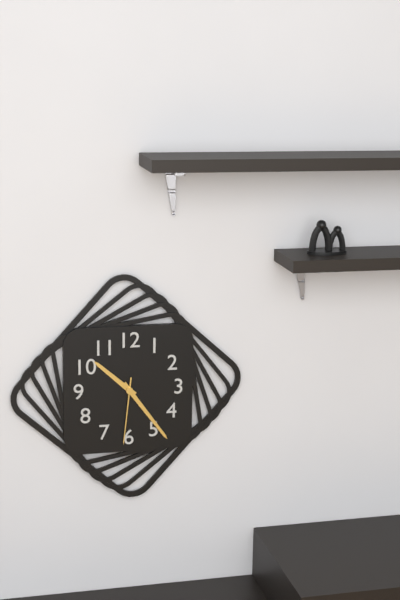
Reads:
10h24m31s
